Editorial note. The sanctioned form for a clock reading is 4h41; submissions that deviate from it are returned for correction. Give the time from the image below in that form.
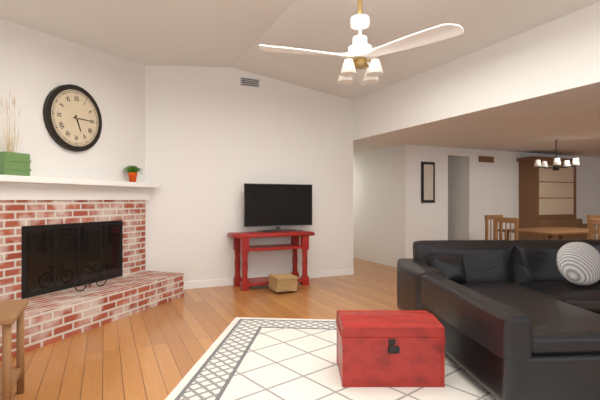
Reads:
5h15
